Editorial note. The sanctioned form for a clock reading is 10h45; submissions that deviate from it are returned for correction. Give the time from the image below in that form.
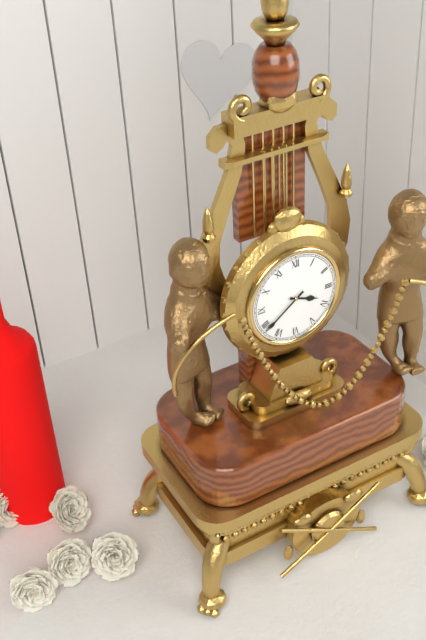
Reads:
3h39
